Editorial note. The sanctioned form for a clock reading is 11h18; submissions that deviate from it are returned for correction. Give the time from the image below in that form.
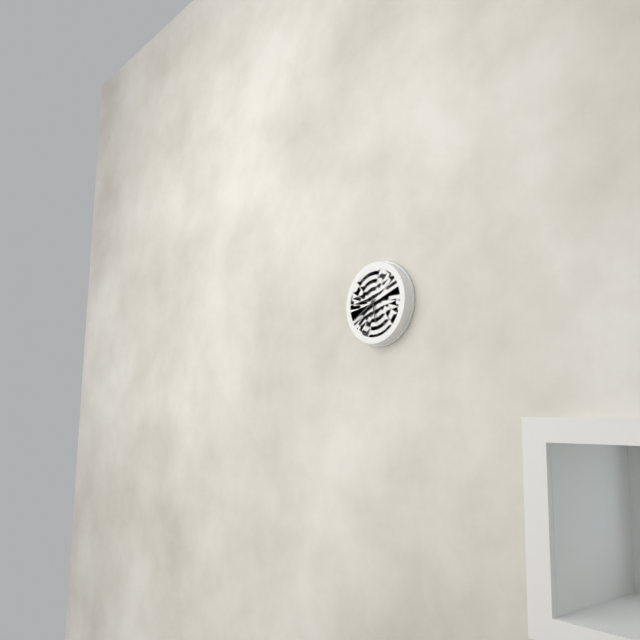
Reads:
5h40
